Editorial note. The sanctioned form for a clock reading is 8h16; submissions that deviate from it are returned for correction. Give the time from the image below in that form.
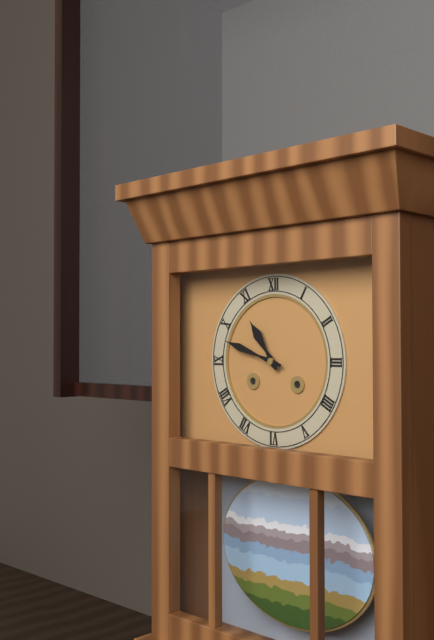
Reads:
10h48
